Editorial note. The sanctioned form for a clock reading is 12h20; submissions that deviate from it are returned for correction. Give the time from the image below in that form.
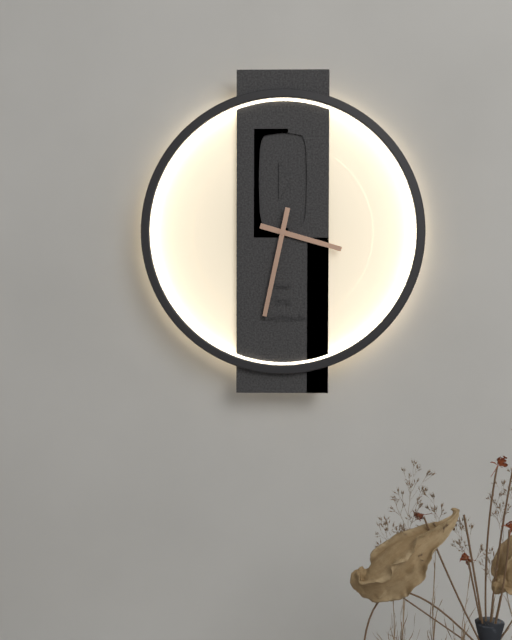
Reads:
3h32
